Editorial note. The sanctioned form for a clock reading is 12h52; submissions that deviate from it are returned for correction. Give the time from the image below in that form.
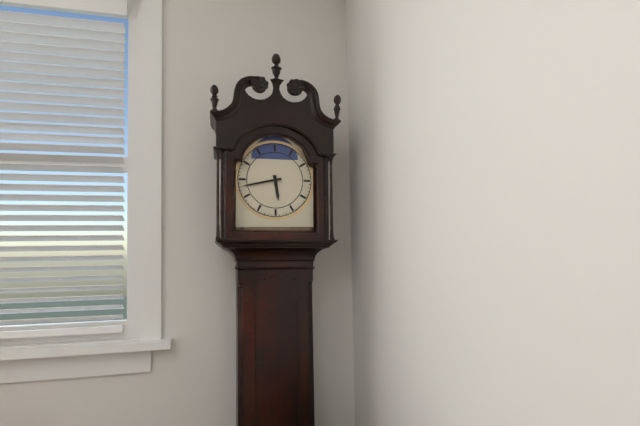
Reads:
5h43
